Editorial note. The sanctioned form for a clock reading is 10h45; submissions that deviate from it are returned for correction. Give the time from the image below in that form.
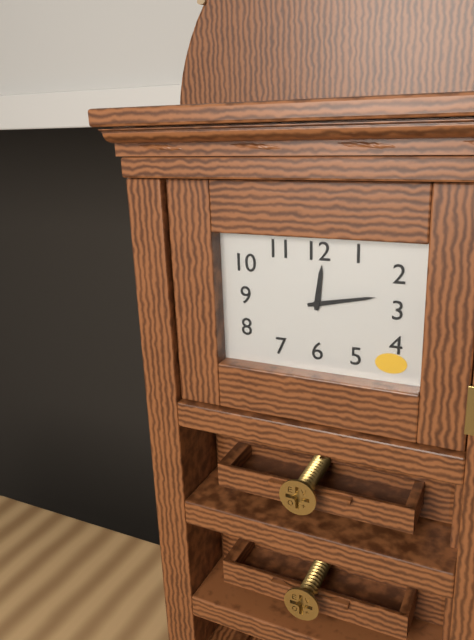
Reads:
12h13
